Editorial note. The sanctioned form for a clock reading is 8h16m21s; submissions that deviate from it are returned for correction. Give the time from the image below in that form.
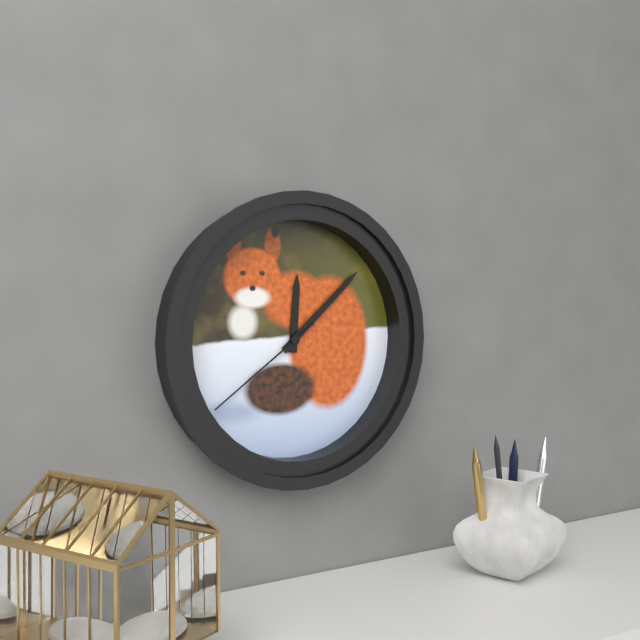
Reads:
12h08m39s
